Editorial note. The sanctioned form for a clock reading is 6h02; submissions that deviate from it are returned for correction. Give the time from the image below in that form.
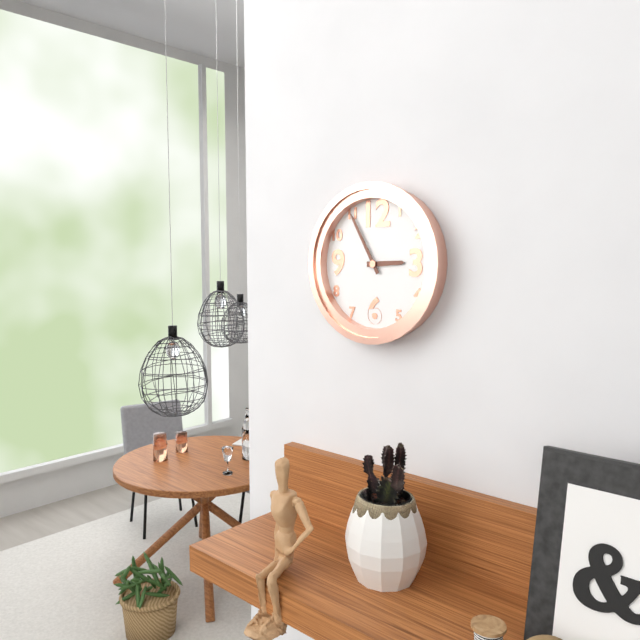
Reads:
2h55
